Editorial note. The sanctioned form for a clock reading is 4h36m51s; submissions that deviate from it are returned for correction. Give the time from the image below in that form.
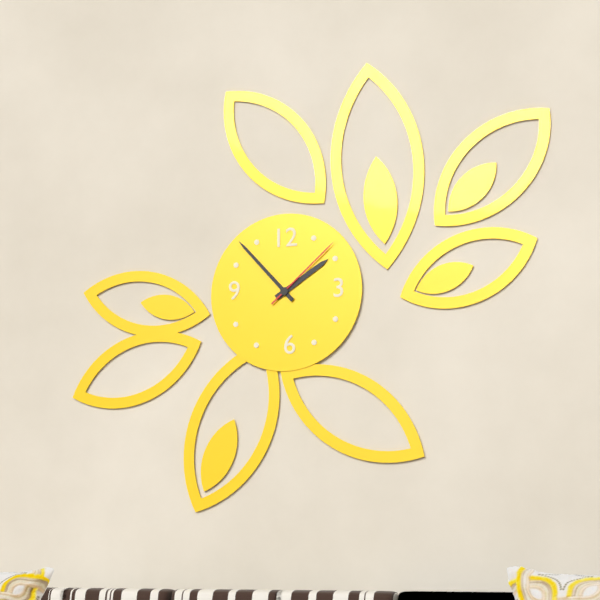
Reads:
1h53m08s
